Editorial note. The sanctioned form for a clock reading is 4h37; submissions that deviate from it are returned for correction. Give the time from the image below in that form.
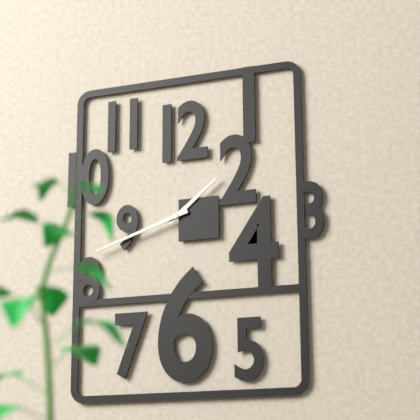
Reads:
1h42
